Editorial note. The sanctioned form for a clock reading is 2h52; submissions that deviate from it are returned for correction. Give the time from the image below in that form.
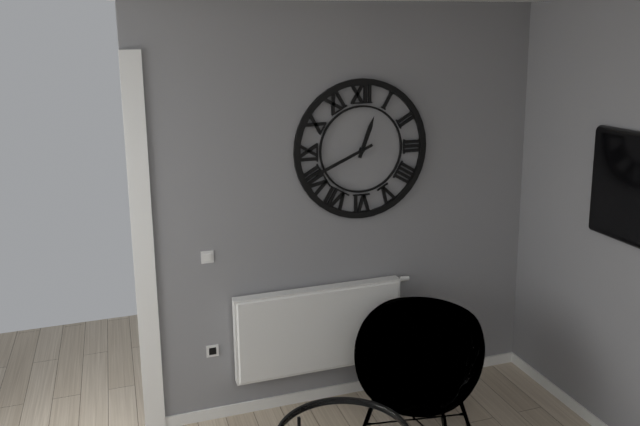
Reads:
12h41
